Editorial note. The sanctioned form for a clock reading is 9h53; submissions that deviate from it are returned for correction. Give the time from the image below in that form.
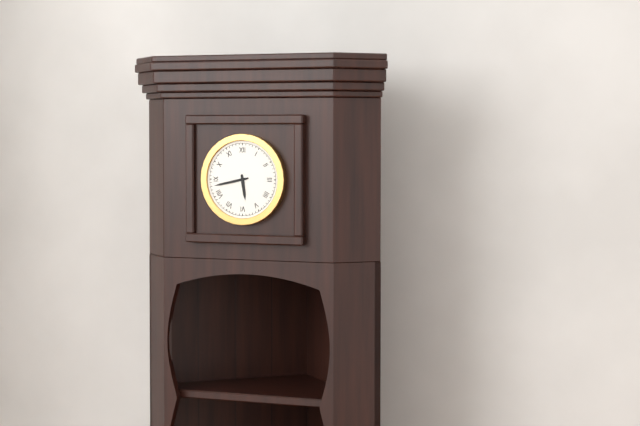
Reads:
5h43
